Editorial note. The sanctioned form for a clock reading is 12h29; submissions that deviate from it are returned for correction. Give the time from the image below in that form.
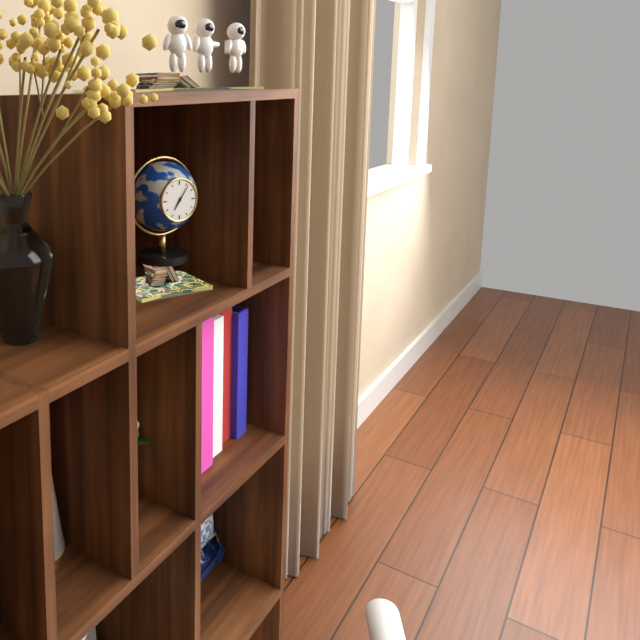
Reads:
7h06
